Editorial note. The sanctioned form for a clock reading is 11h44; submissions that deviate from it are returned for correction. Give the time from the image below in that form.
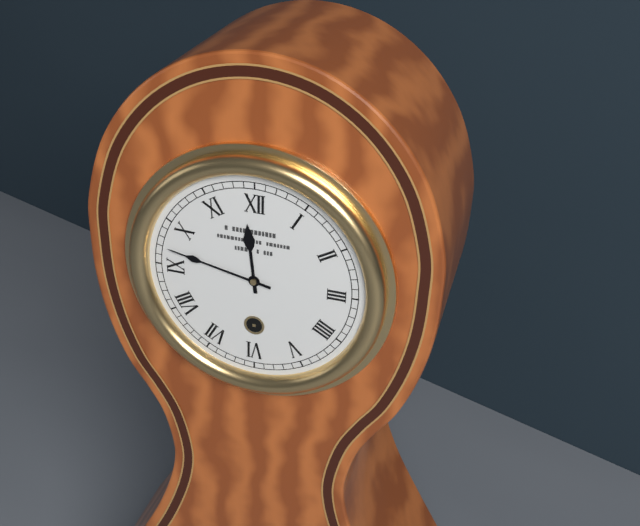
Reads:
11h47
